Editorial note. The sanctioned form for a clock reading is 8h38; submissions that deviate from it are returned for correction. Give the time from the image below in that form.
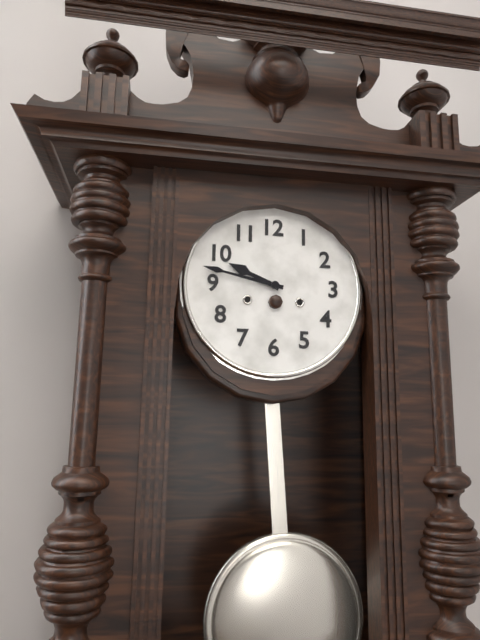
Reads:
9h47
